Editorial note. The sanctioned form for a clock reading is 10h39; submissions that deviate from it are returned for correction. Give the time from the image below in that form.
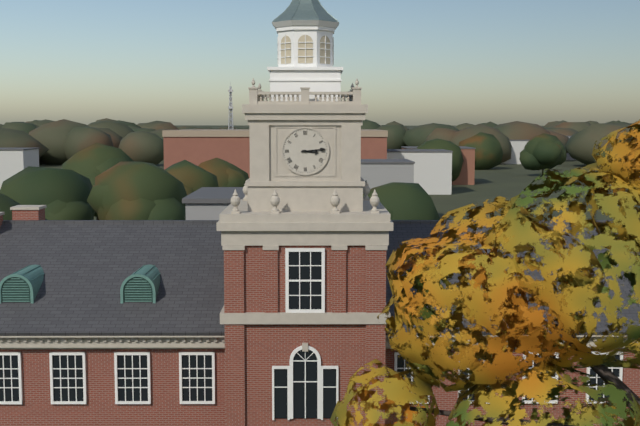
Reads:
3h14
